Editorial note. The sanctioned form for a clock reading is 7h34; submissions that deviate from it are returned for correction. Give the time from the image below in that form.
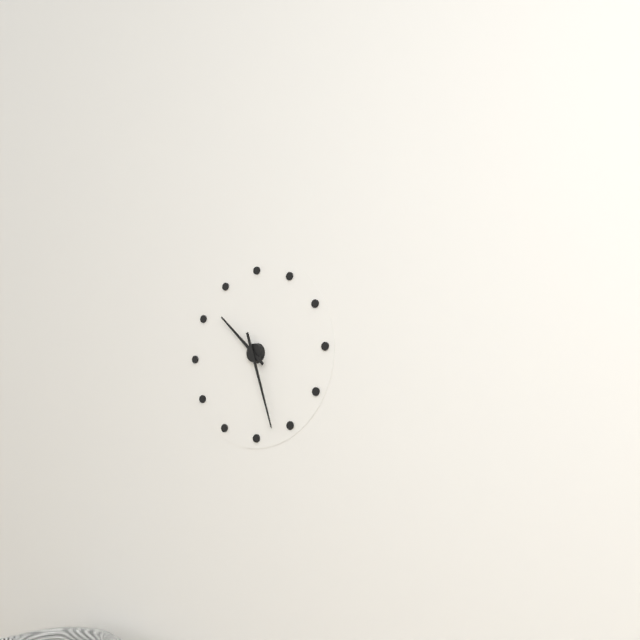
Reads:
10h27
